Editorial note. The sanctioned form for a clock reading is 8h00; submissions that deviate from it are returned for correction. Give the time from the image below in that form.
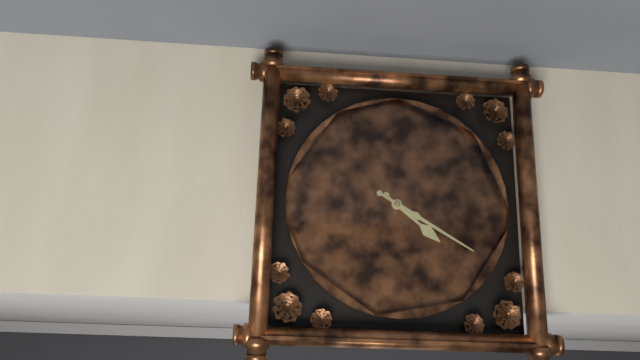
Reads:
4h20
